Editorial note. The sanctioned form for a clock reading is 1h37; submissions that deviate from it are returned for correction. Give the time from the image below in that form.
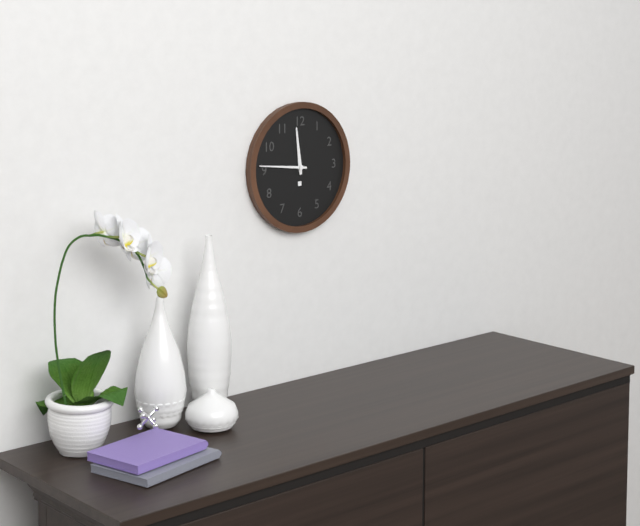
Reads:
11h46
